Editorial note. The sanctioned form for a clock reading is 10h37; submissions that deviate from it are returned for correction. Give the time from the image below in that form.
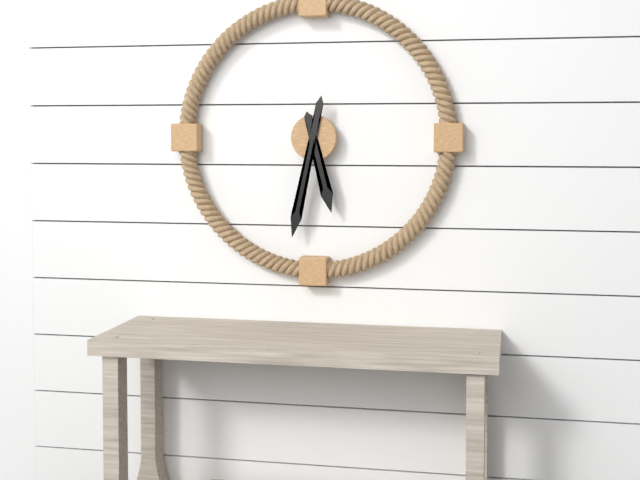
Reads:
5h32
